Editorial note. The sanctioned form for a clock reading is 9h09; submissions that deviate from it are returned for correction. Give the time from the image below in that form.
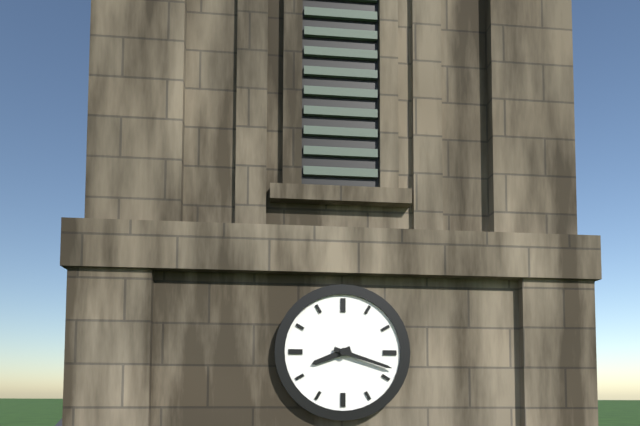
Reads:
8h18
